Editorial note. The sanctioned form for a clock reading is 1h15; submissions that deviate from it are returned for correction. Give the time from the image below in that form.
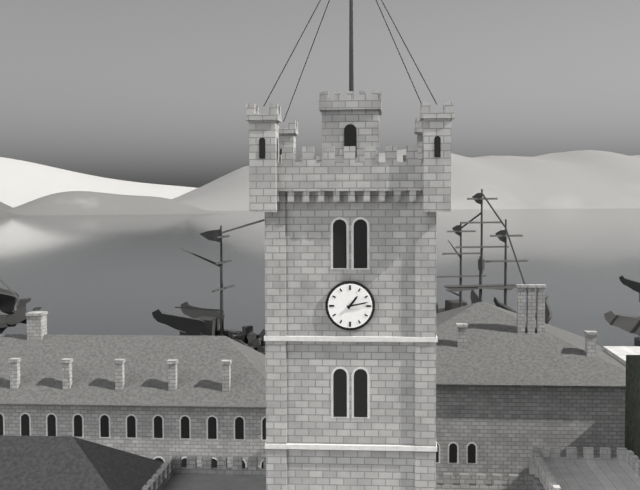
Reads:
1h13
